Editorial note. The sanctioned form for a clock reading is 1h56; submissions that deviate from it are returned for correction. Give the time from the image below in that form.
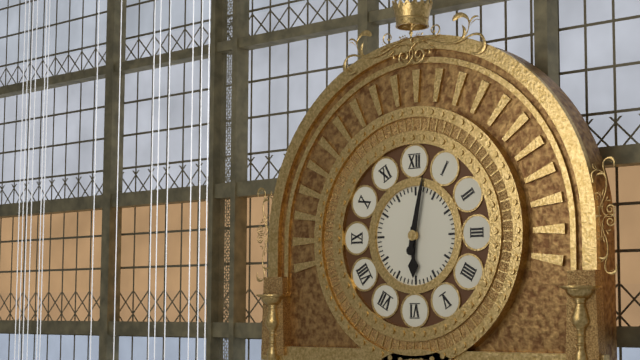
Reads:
6h02
